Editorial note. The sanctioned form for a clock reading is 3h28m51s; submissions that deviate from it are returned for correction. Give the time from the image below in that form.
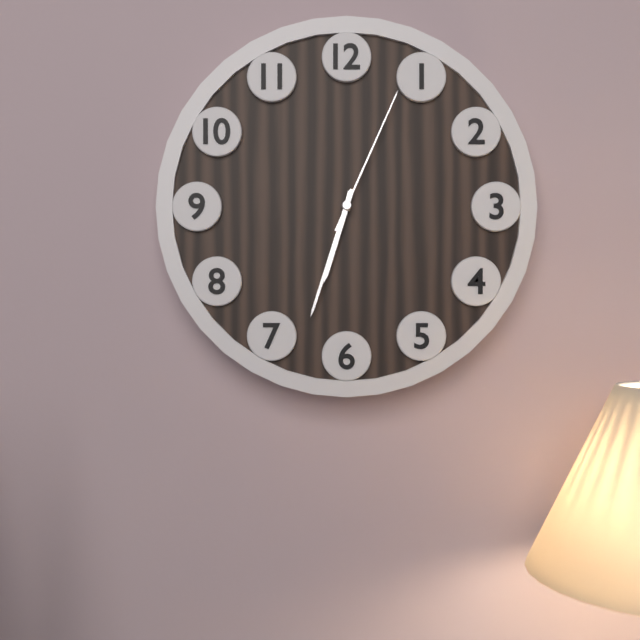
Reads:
6h33m04s
